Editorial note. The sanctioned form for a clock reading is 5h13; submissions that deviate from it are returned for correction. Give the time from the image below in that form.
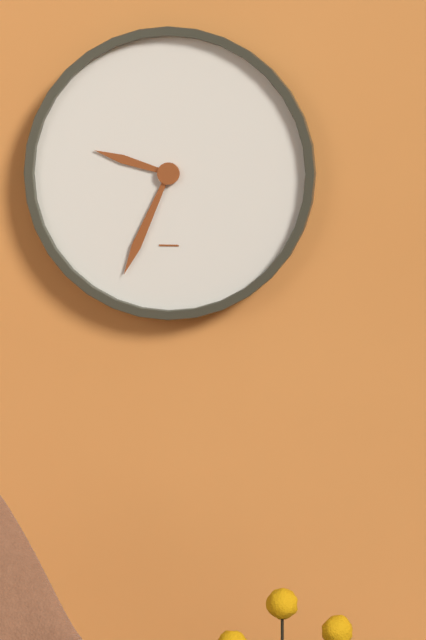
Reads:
9h34
